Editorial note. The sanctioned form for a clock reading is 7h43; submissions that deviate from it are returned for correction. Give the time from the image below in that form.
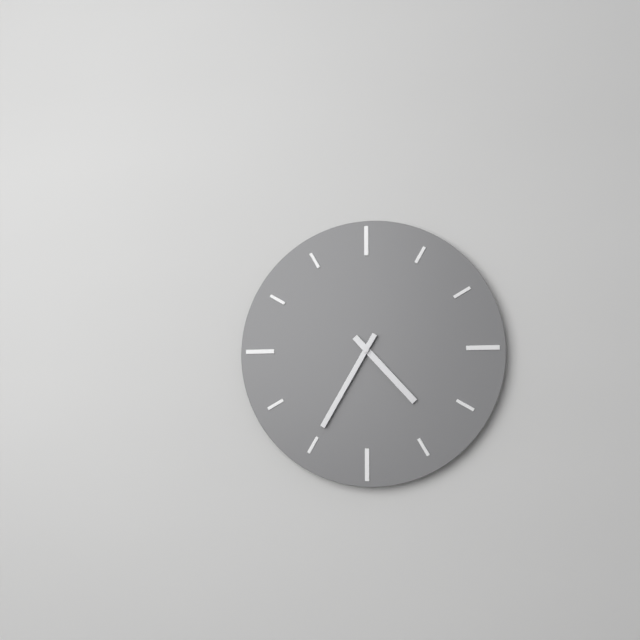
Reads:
4h35
